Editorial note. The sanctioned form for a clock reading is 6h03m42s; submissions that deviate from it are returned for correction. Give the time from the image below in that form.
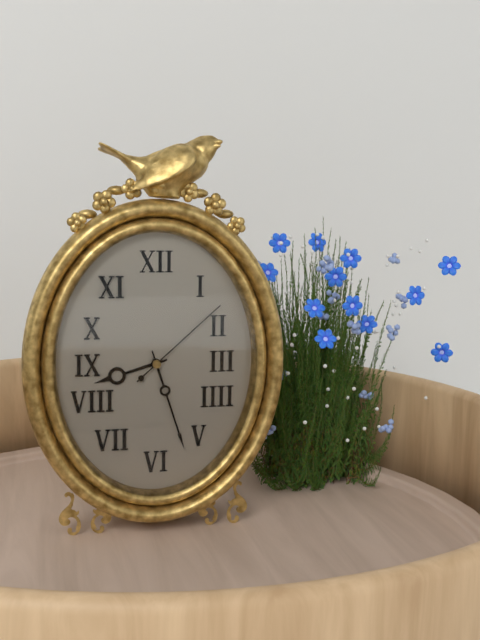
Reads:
8h27m08s
